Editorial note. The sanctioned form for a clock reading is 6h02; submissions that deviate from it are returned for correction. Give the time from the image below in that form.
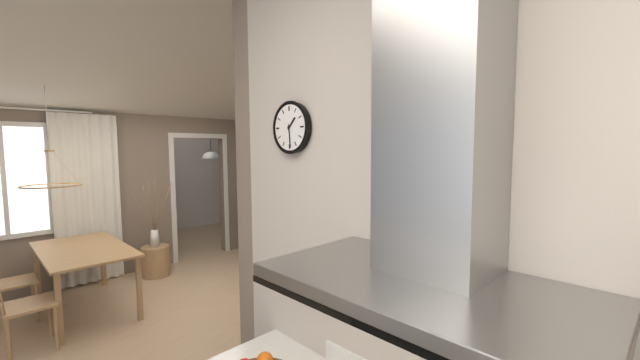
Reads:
1h29
